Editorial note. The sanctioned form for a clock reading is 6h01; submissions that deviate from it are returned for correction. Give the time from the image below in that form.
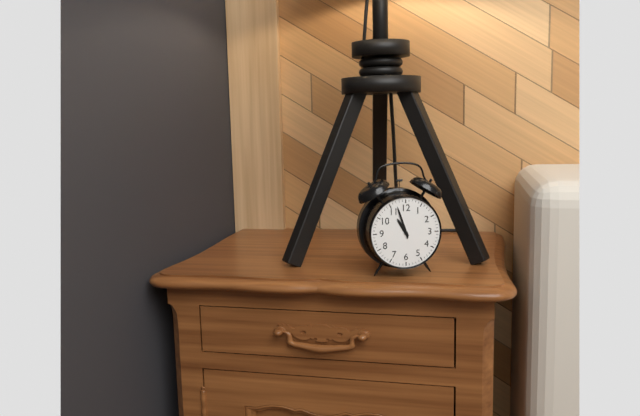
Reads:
10h57
